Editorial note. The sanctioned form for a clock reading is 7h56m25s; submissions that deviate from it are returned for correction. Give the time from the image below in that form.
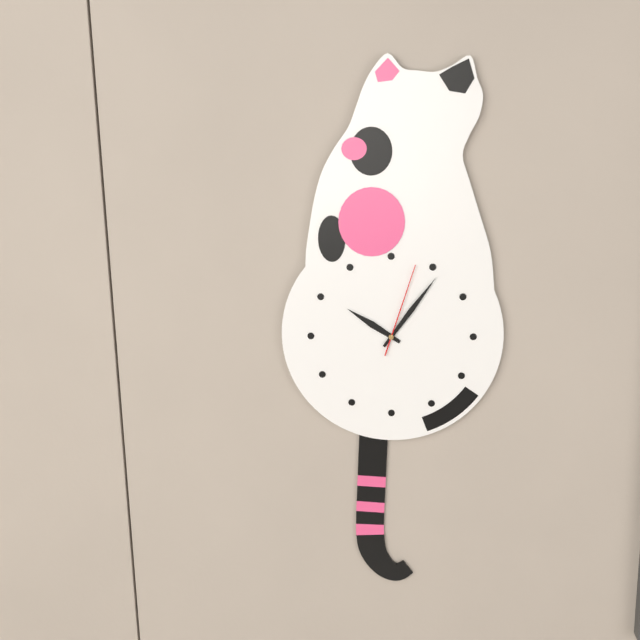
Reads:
10h06m03s
